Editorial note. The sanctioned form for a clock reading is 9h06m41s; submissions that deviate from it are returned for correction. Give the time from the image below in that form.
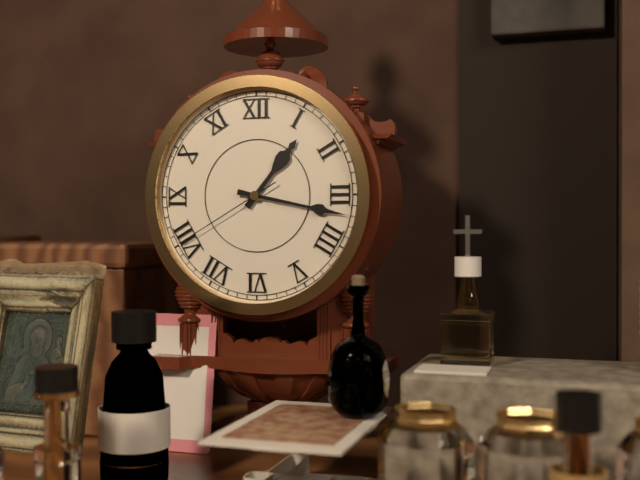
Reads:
1h17m40s
